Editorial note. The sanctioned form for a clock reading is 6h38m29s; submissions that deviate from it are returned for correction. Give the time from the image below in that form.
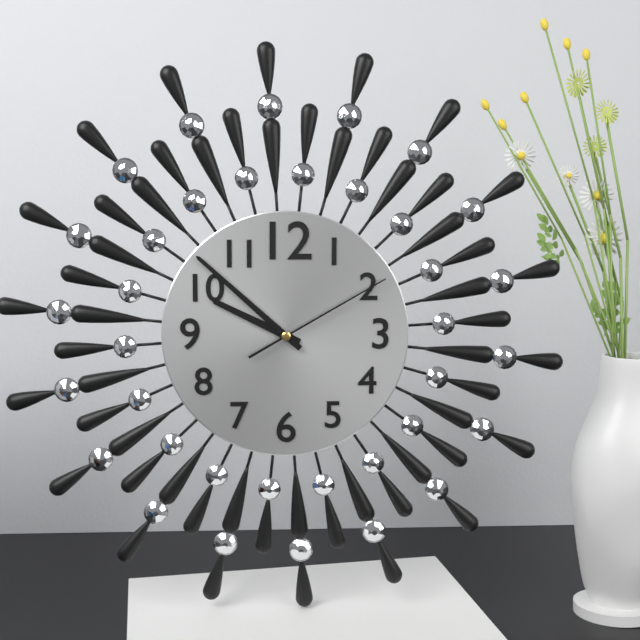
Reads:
9h52m10s
